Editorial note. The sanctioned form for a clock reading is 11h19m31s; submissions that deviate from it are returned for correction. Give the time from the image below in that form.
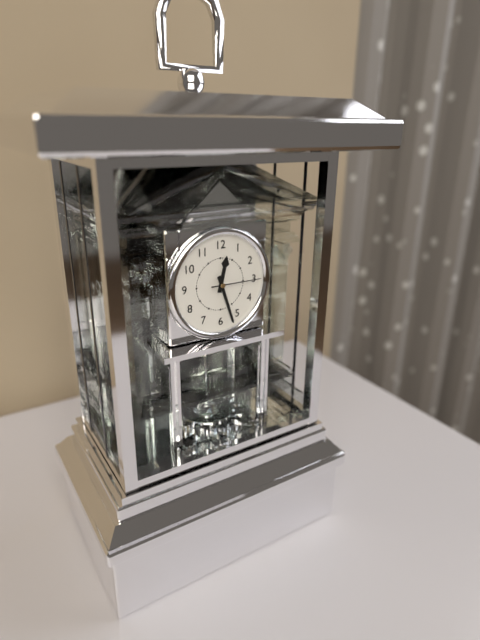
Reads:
12h27m15s
